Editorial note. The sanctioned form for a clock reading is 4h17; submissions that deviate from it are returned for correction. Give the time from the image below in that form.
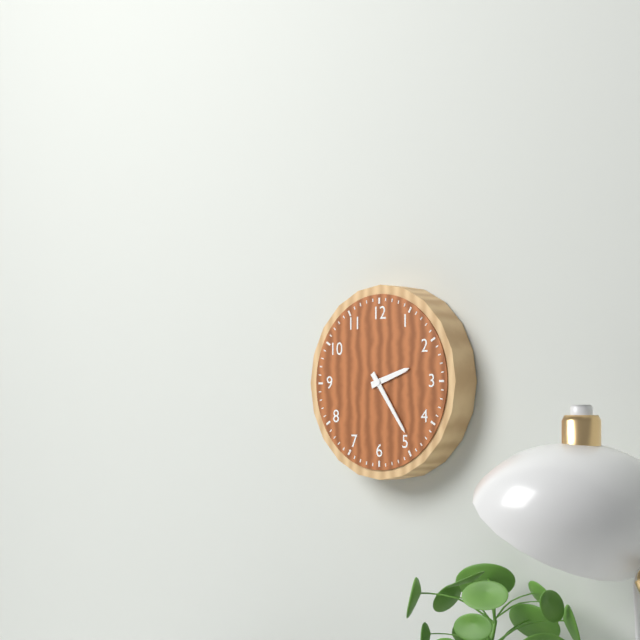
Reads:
2h24
